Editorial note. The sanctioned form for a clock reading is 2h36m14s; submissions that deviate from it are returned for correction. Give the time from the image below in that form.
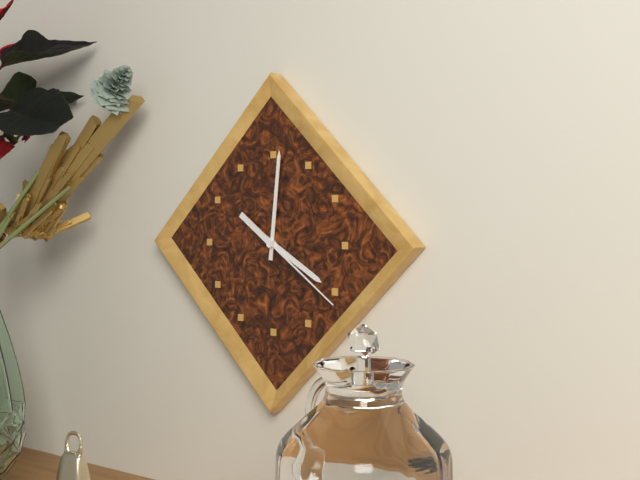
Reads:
4h01m21s
